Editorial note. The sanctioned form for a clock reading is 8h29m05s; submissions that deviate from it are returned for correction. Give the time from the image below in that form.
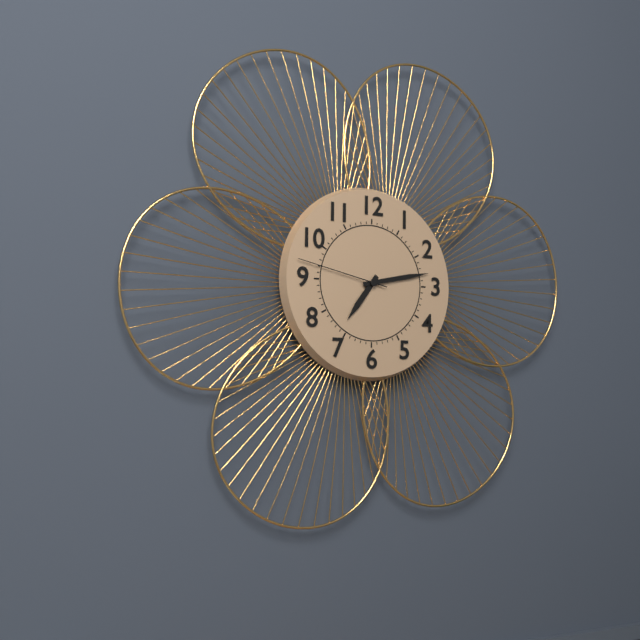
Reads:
7h13m47s
